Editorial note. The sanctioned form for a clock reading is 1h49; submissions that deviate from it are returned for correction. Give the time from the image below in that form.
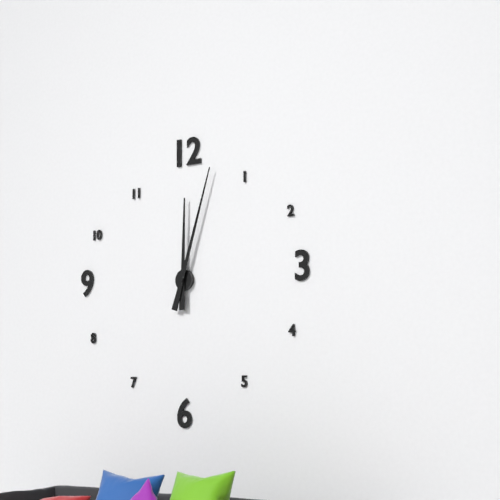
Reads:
12h03
